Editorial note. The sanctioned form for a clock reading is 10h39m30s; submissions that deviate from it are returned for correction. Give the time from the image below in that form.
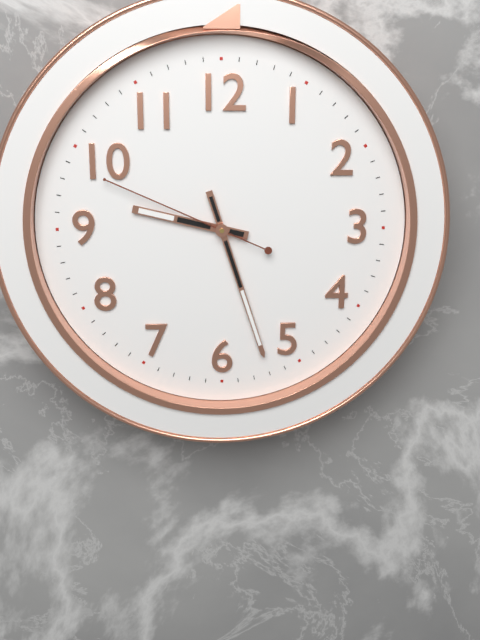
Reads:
9h27m49s
